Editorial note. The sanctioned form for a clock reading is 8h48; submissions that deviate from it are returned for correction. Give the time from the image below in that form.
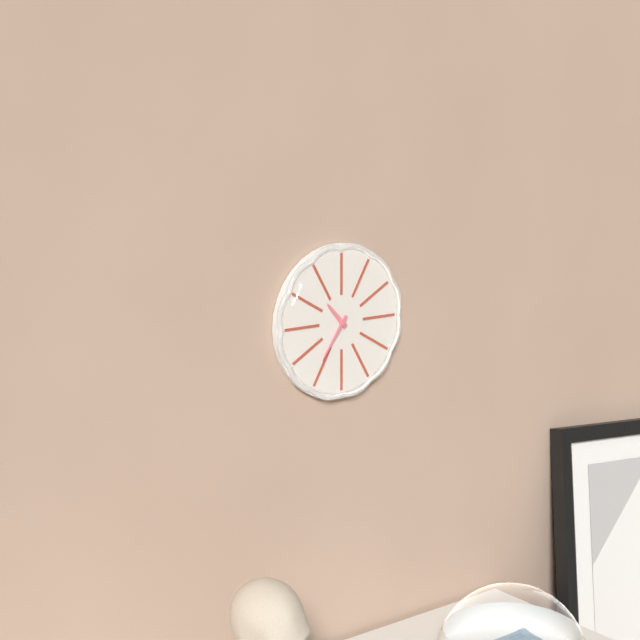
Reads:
10h36
